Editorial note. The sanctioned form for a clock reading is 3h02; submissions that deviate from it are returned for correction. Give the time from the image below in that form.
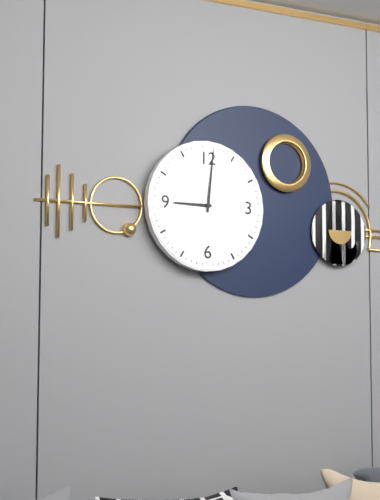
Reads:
9h01
